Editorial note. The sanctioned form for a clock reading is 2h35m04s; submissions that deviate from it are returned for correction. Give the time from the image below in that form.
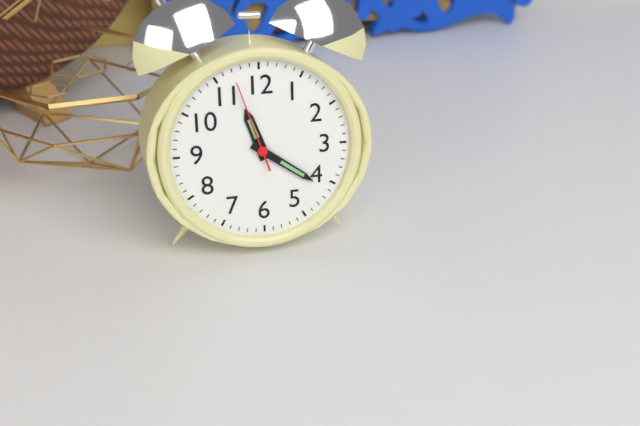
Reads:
11h21m57s
